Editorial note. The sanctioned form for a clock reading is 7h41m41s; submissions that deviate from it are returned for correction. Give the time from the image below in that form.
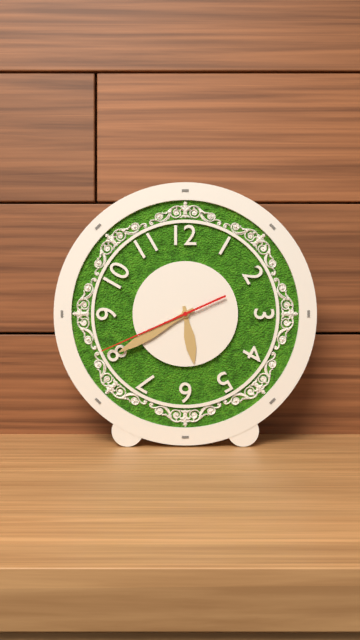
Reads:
5h40m41s
